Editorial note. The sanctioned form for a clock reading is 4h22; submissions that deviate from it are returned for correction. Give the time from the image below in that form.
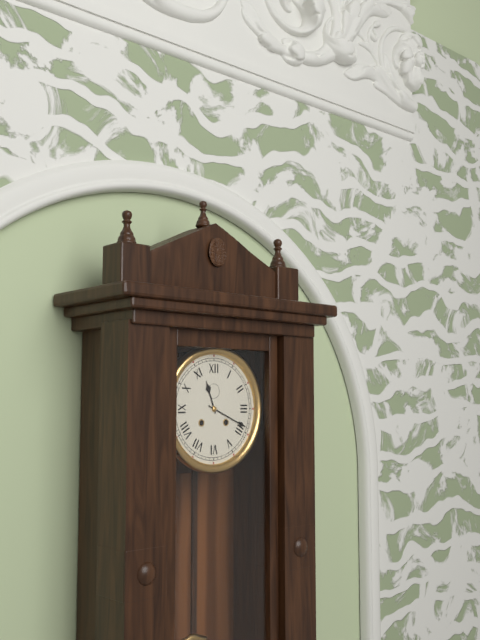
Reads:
11h19
